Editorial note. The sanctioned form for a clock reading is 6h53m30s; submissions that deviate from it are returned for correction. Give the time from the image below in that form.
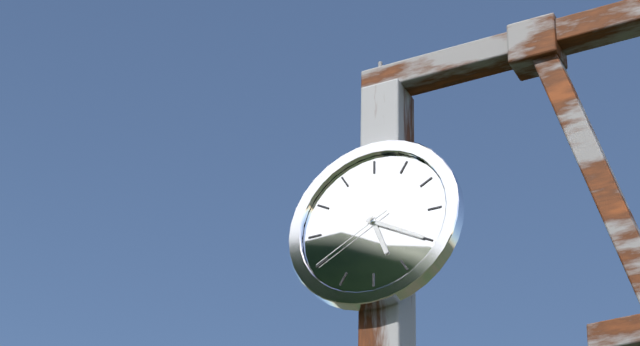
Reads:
5h20m40s
